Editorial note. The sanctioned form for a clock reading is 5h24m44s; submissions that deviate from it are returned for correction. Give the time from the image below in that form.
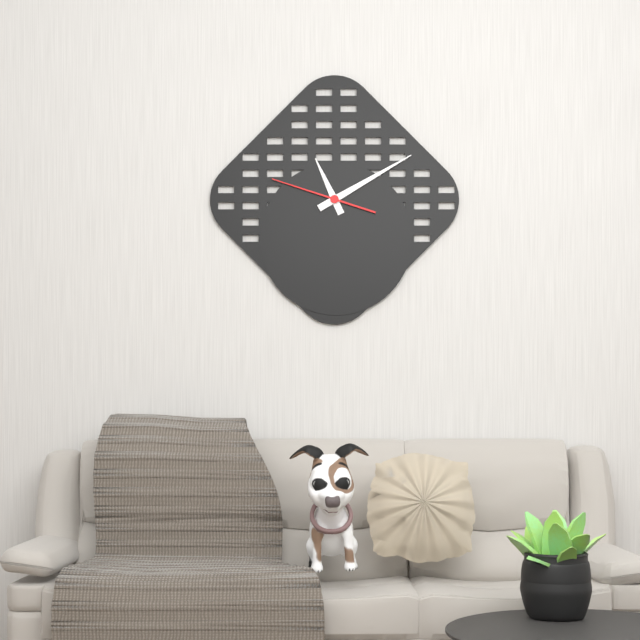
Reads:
11h10m48s
